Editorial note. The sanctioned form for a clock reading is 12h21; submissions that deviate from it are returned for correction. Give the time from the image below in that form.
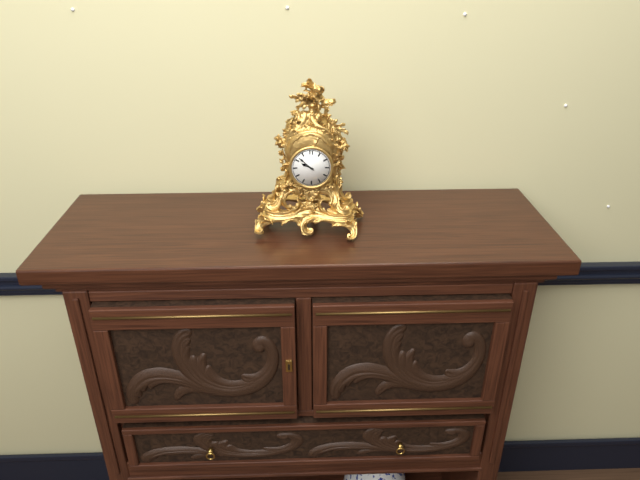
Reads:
9h52
